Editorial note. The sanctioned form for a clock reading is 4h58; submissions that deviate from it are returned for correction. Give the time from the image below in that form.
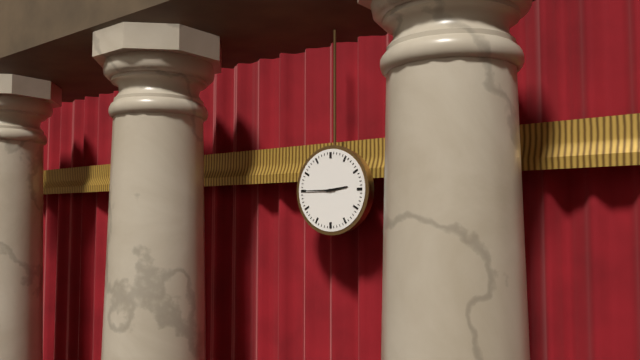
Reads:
2h45
